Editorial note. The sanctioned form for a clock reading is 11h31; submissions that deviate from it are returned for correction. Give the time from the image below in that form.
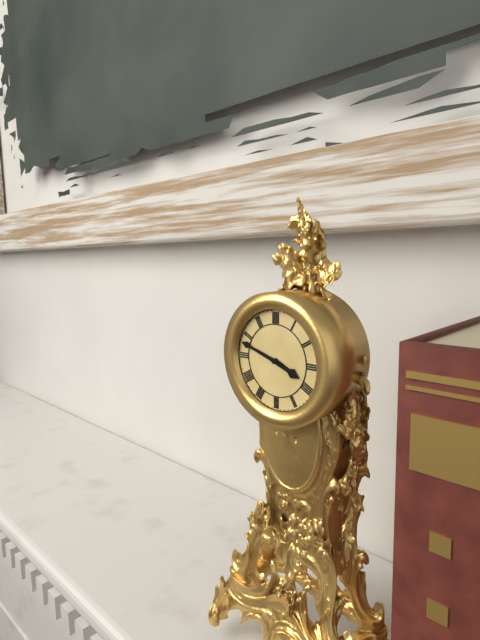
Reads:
3h48
